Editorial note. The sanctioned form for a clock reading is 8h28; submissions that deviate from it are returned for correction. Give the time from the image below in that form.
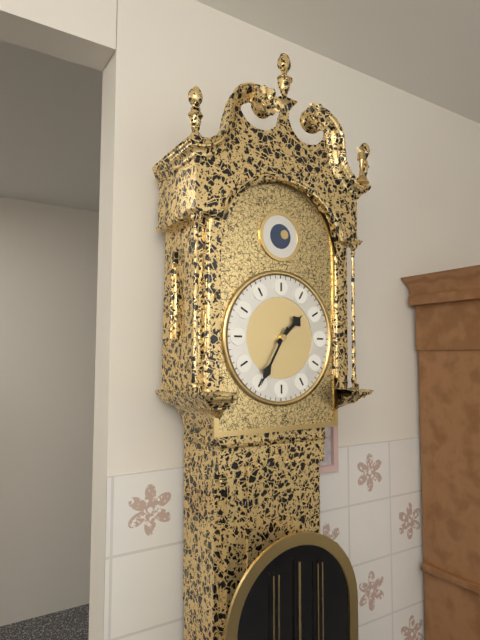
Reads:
1h35
